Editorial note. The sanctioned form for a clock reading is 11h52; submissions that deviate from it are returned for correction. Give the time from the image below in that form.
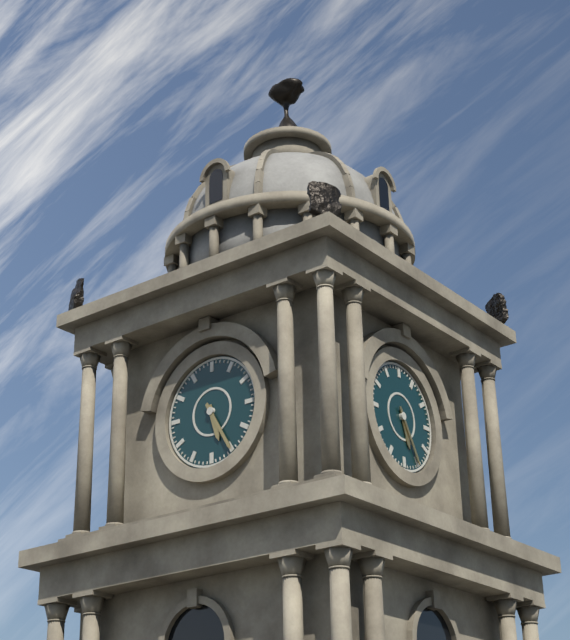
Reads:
5h25
